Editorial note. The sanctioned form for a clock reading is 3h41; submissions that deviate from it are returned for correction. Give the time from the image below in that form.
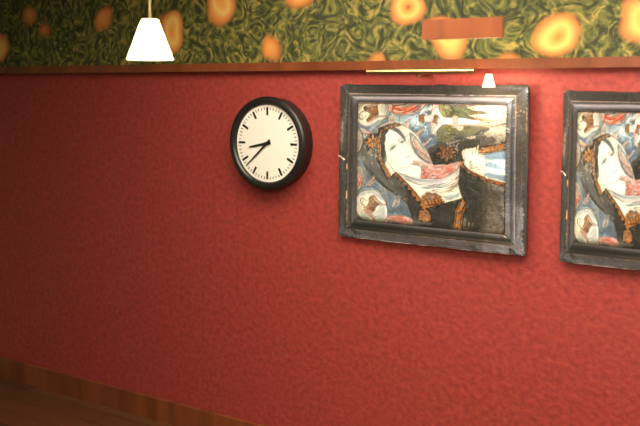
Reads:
8h38
